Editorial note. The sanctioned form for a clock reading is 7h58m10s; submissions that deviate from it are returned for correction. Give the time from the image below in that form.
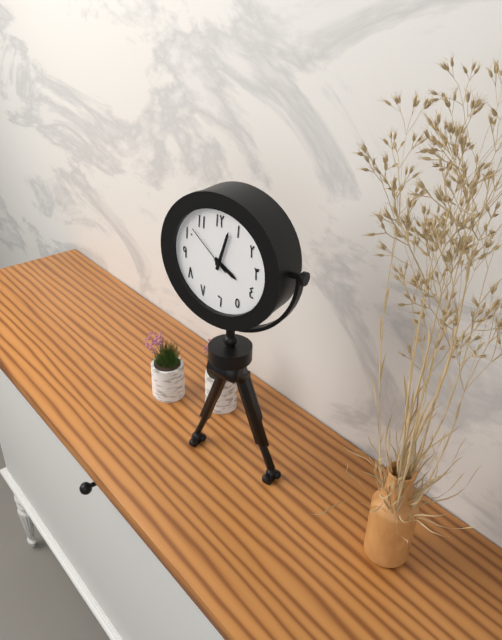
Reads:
4h03m52s
